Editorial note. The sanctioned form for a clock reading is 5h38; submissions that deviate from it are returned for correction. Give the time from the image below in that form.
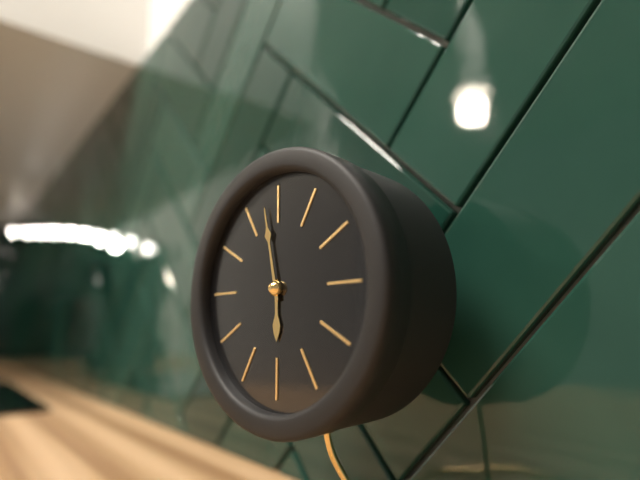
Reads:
5h58
